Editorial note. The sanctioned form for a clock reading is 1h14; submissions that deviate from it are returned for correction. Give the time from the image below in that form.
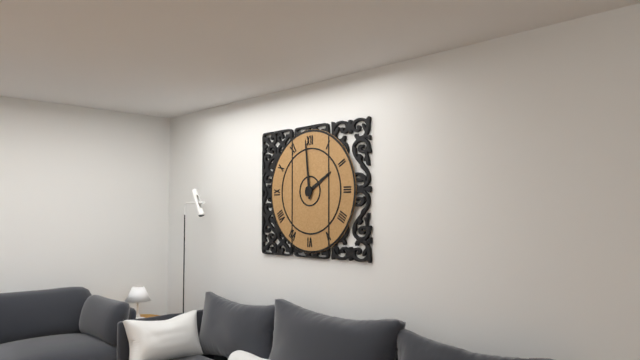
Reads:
1h59
